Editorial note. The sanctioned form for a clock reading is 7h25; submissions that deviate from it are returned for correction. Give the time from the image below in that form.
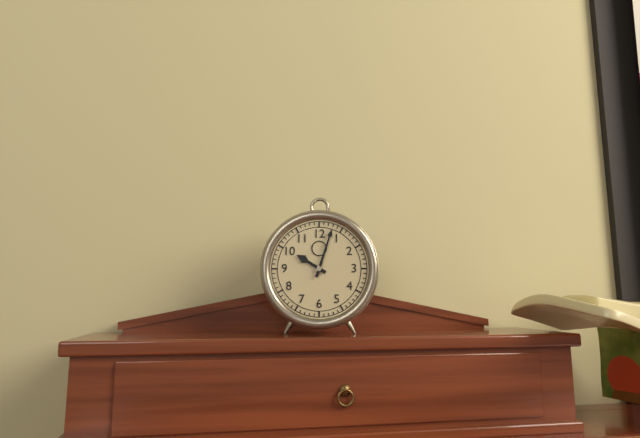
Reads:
10h03
